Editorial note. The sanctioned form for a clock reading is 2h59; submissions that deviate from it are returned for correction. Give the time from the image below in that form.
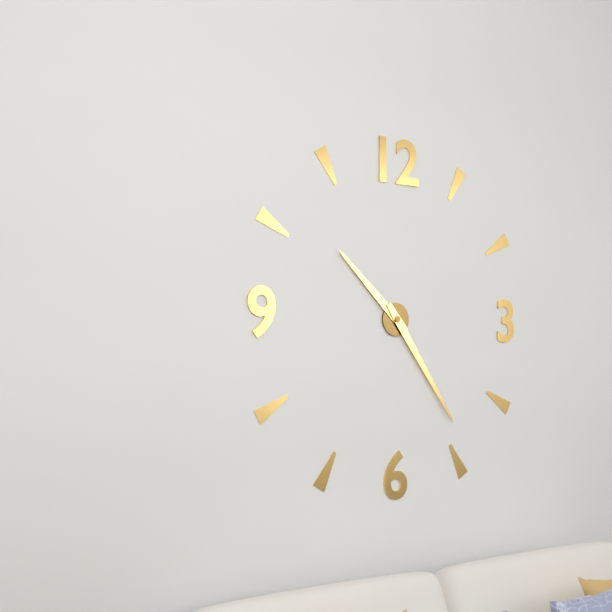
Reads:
10h24
